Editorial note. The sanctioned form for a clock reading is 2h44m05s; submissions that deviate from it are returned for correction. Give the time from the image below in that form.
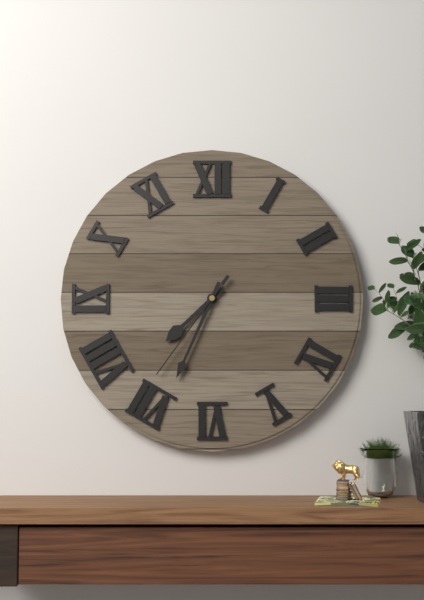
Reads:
7h34m36s
